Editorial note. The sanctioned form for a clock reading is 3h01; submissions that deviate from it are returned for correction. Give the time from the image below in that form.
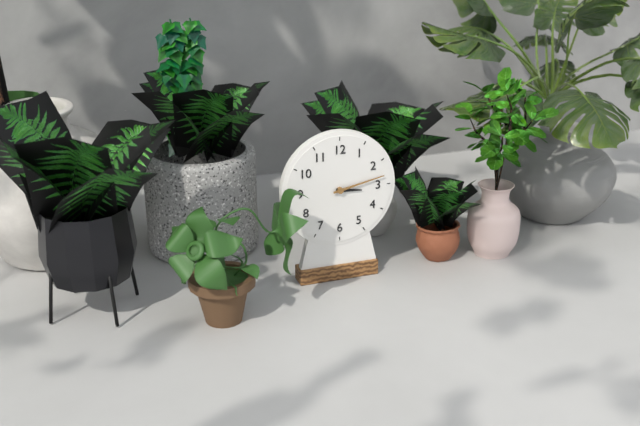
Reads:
3h13
